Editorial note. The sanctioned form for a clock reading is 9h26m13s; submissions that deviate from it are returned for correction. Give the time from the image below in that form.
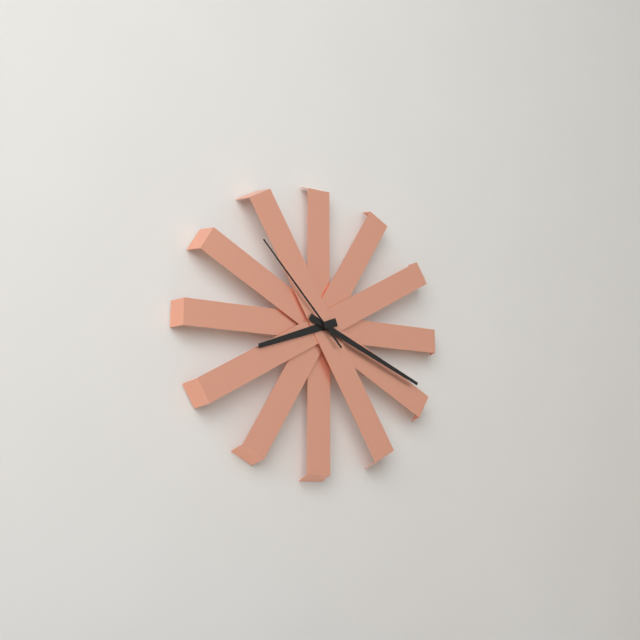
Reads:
8h19m53s
